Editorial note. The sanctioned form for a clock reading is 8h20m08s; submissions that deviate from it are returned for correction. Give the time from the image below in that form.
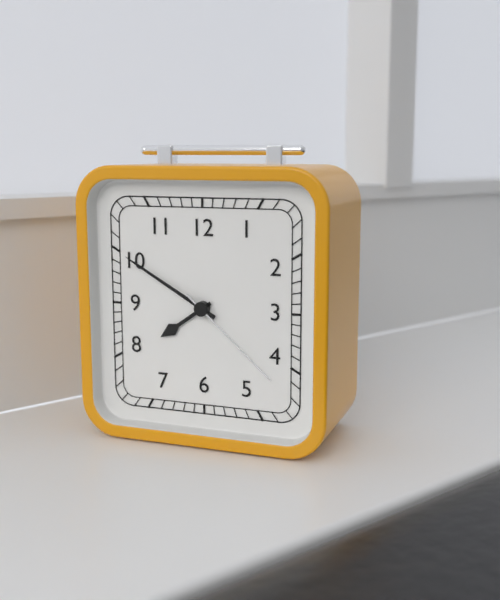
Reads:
7h50m22s
